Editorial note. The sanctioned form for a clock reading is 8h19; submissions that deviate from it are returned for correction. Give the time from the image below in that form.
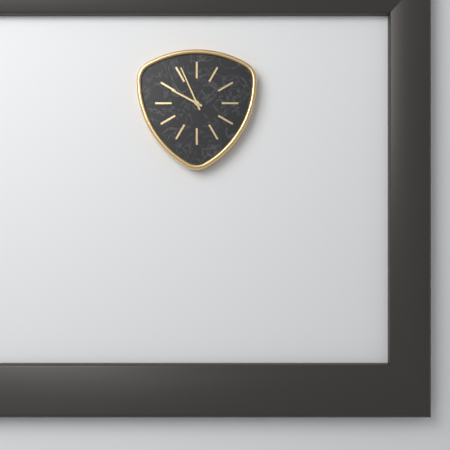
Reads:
9h56
